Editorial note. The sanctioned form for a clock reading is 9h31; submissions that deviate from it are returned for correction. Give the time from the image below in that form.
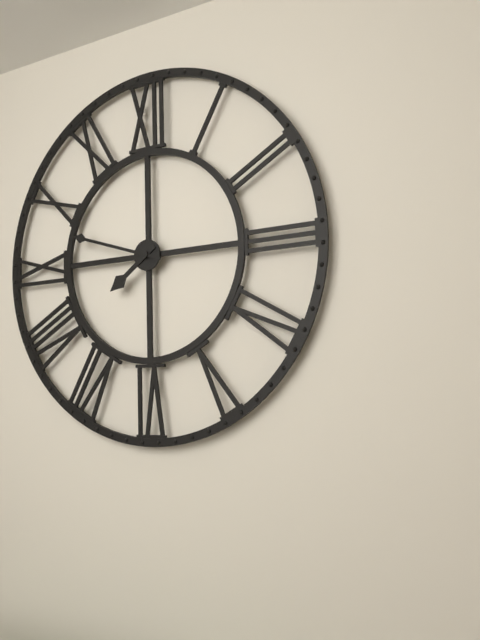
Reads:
7h48
